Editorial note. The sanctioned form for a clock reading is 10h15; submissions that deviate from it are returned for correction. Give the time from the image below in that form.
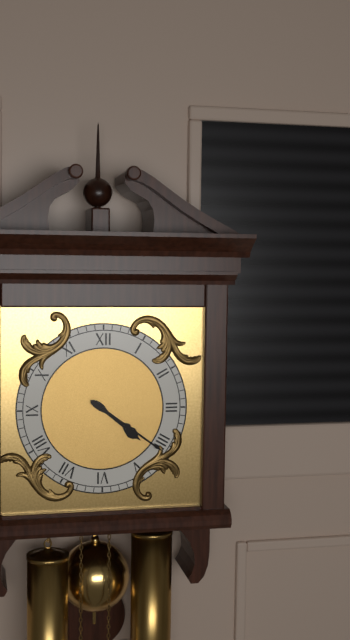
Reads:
4h21
